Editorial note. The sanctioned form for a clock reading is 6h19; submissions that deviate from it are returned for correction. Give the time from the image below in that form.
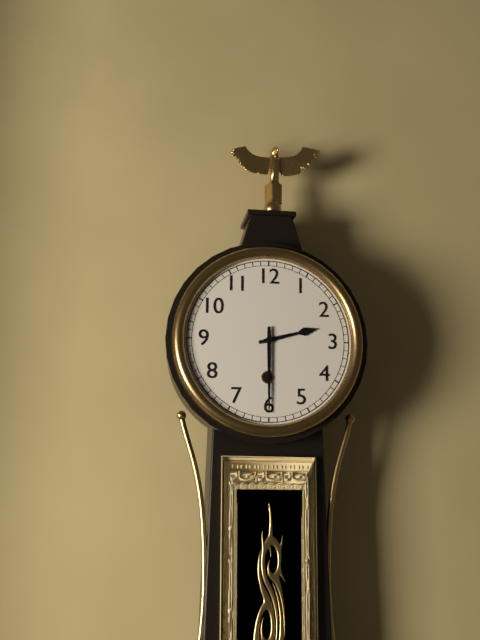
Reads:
2h30
